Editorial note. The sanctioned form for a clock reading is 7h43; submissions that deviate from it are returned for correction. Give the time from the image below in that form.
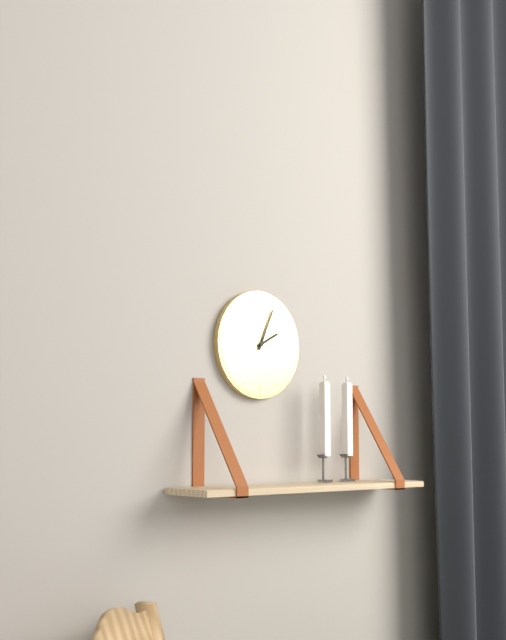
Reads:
2h04
